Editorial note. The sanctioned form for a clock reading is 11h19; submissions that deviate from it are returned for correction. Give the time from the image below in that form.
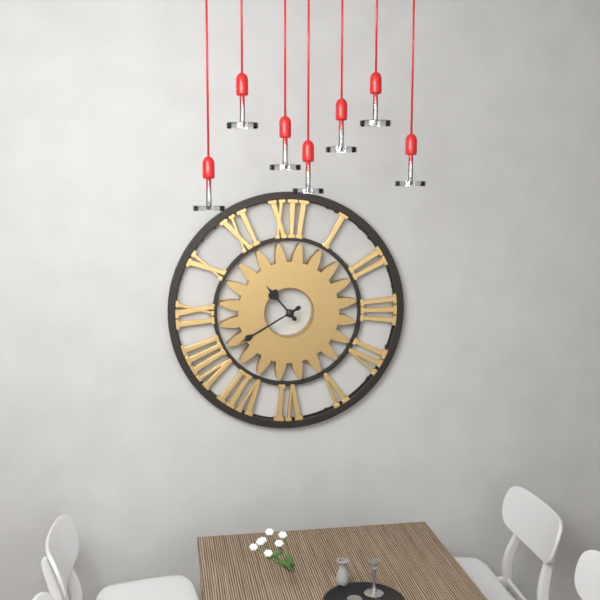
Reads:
10h40
